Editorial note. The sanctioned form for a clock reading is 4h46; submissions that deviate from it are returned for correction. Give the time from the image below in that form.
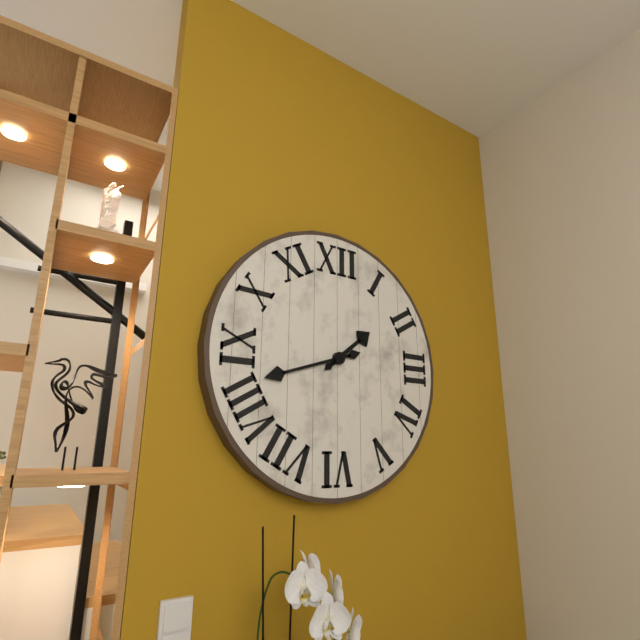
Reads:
1h42
